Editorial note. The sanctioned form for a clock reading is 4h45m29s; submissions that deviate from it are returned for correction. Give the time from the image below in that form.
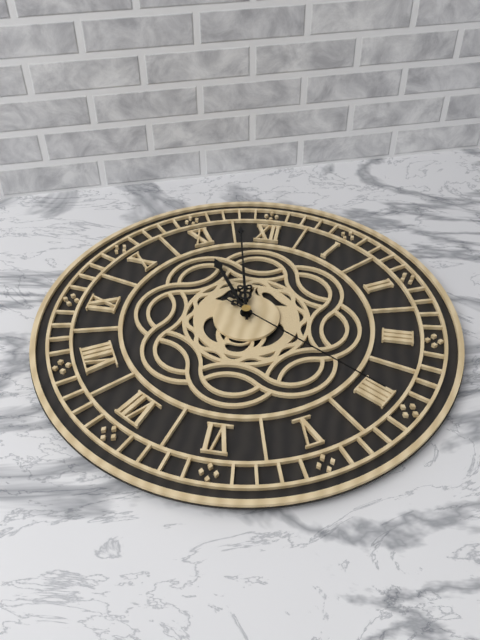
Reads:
10h58m20s
